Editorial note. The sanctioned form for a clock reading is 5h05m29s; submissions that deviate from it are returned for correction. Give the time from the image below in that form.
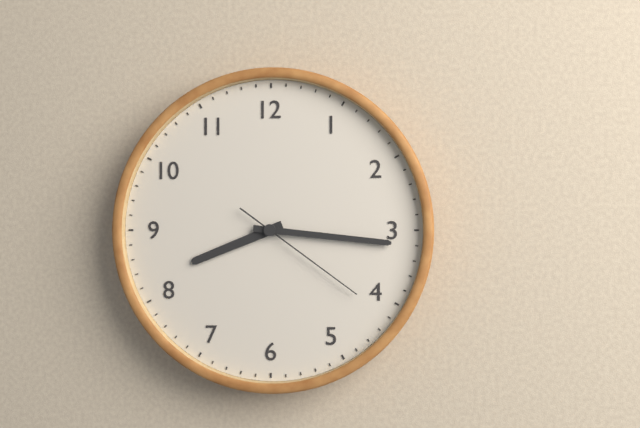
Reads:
8h16m21s
